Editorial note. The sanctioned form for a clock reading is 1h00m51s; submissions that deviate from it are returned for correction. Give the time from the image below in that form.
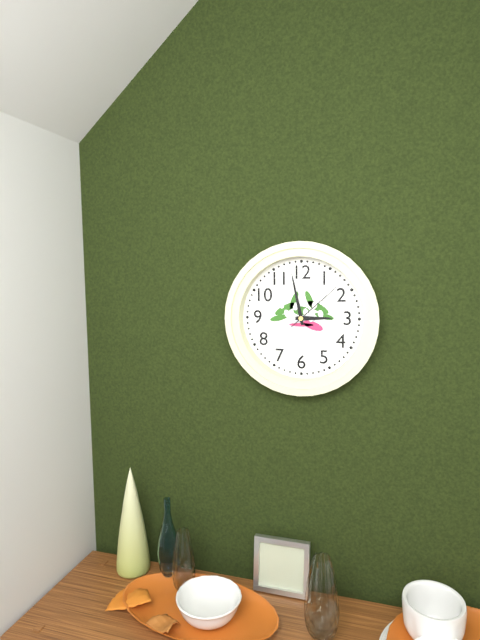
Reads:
2h58m08s
